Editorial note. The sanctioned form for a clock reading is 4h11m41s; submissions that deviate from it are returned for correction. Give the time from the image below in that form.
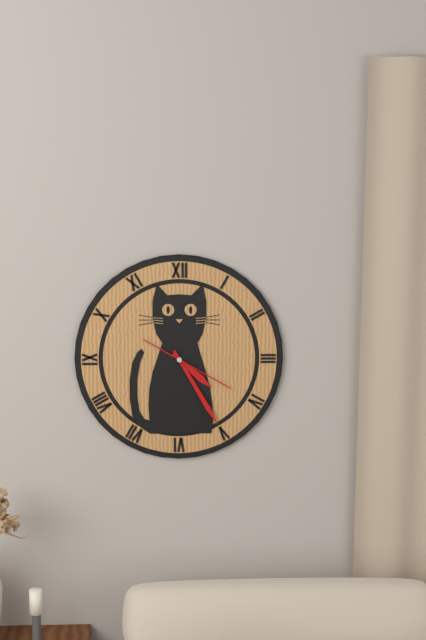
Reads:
4h25m20s
